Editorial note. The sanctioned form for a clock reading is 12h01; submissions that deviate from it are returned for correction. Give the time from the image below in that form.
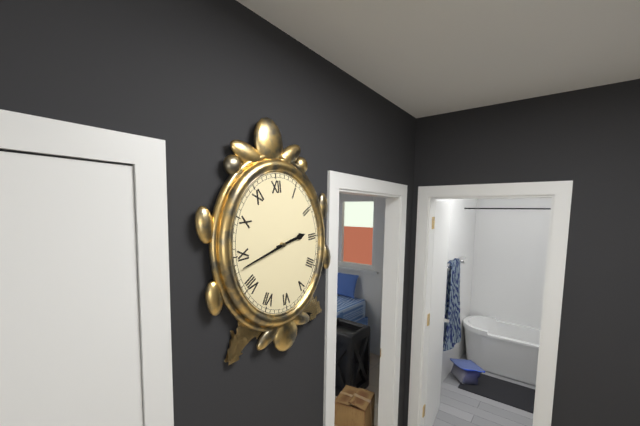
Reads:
2h43
